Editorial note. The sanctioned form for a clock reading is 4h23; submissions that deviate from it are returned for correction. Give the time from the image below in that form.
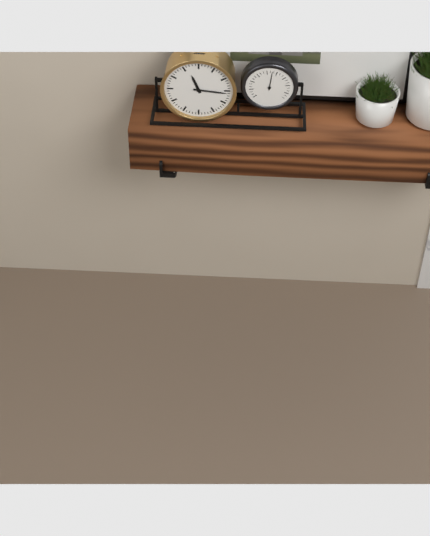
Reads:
11h16
